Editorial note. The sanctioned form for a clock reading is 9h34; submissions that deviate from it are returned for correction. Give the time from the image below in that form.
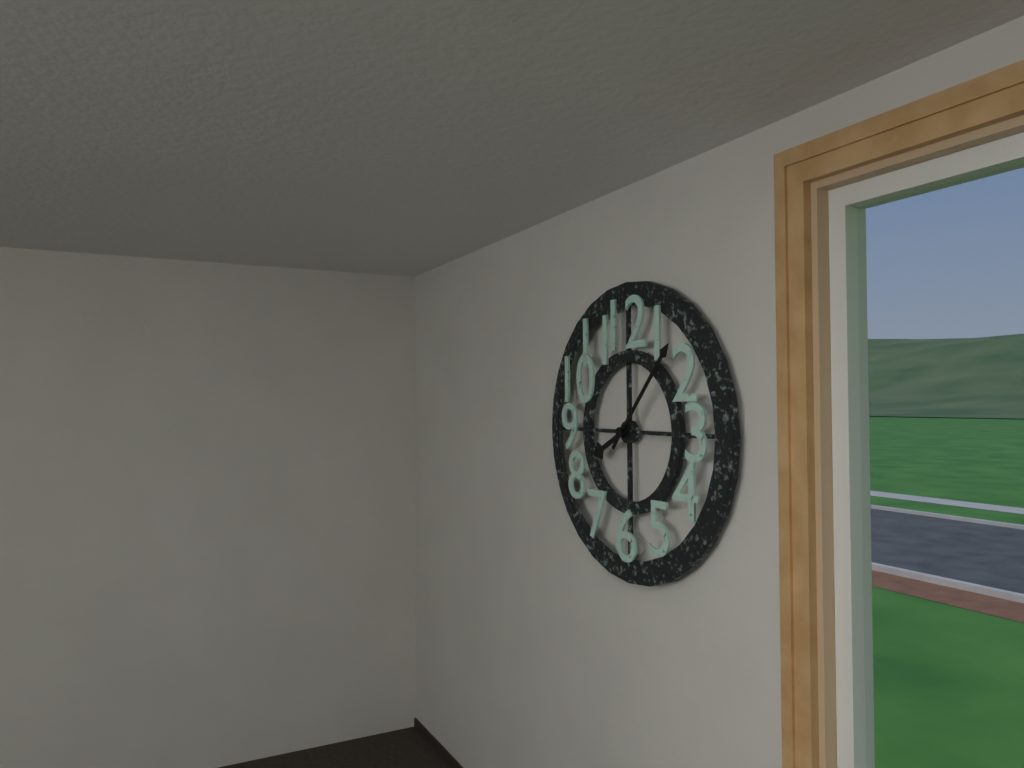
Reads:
8h07
